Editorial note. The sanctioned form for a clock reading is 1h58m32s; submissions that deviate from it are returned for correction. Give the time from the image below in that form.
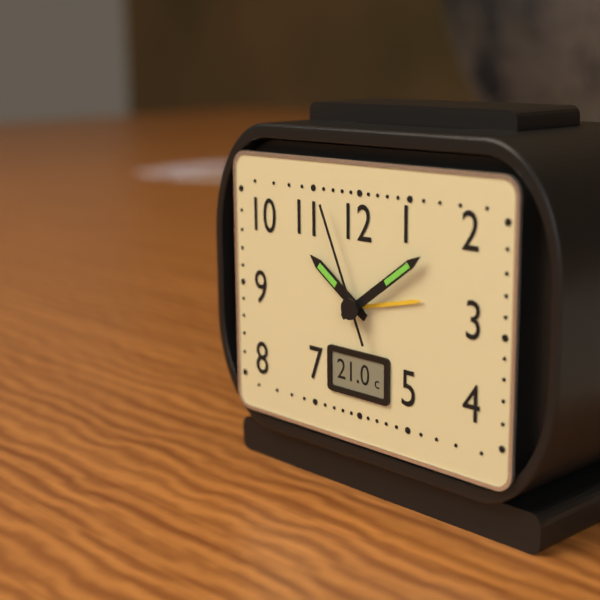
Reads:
10h09m56s
